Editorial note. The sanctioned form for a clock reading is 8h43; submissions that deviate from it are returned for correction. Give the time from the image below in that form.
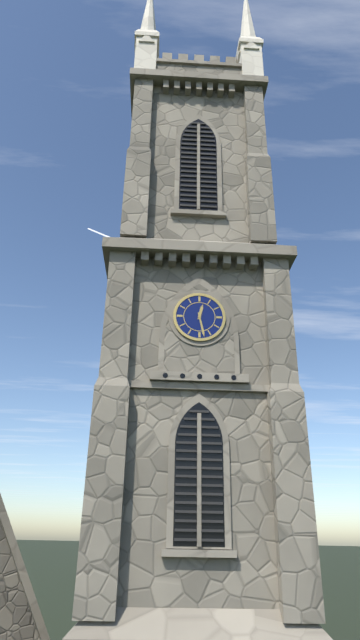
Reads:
12h28
